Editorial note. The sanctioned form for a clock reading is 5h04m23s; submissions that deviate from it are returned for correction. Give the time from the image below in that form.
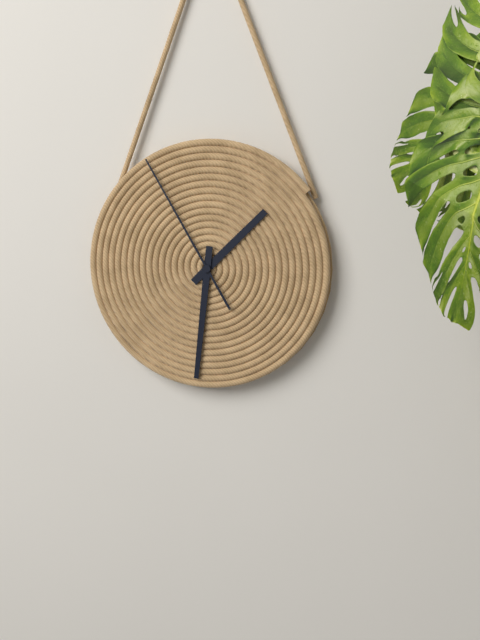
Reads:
1h31m55s
